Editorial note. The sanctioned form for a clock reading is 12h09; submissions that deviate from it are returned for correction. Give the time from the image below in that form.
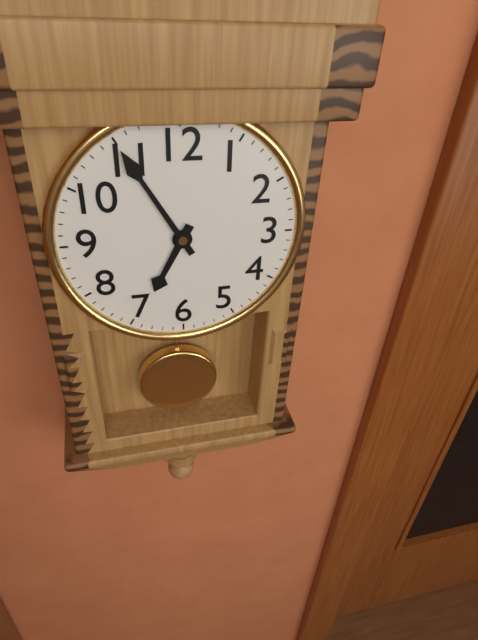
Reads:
6h55
